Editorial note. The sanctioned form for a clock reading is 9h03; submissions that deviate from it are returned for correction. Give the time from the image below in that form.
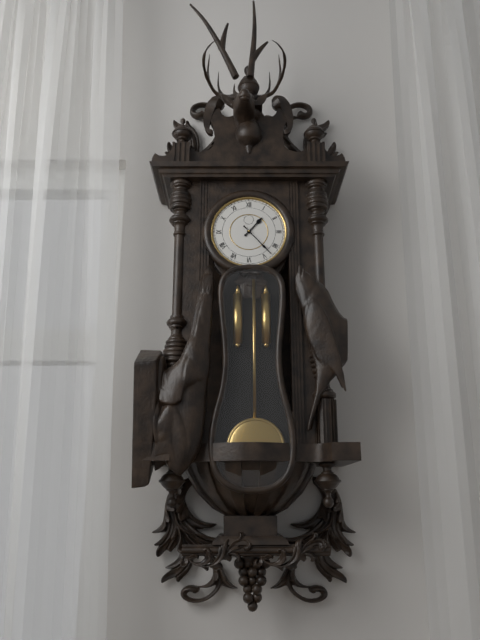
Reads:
1h23
